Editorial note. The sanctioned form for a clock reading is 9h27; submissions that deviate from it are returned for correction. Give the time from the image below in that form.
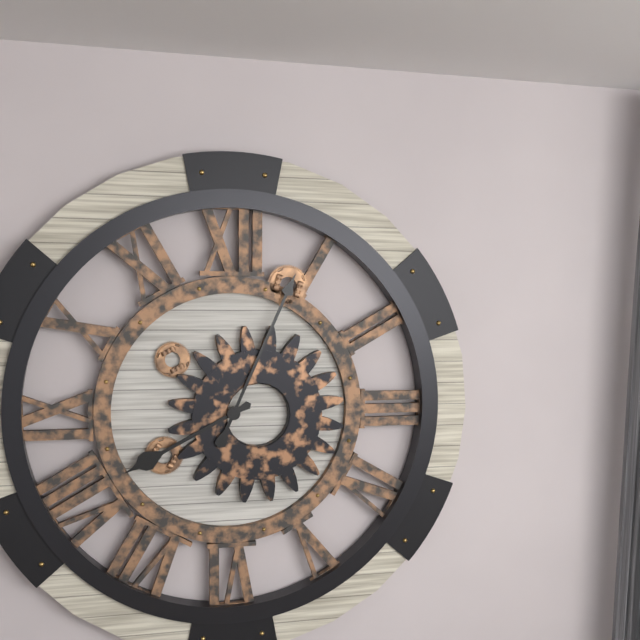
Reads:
8h04
